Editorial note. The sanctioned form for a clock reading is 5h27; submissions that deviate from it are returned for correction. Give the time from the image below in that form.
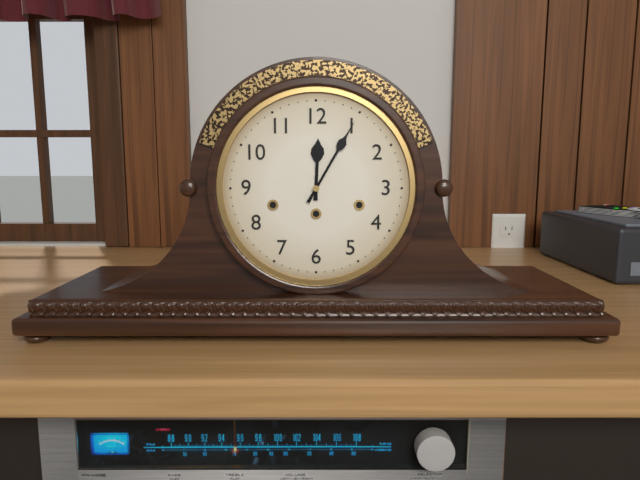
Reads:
12h05
